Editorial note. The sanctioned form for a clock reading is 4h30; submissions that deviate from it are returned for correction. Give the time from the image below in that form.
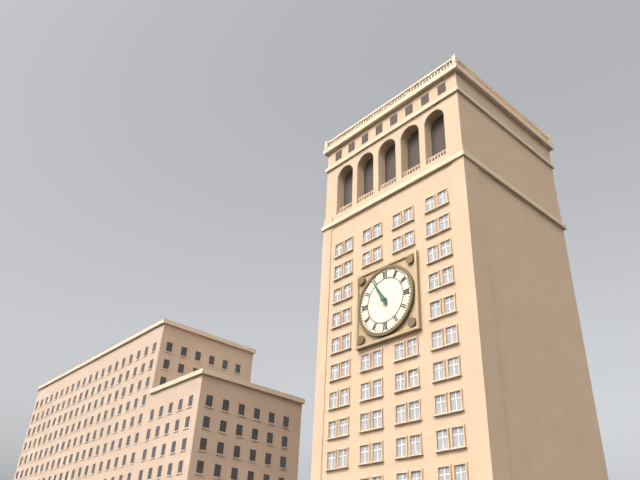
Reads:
10h55
